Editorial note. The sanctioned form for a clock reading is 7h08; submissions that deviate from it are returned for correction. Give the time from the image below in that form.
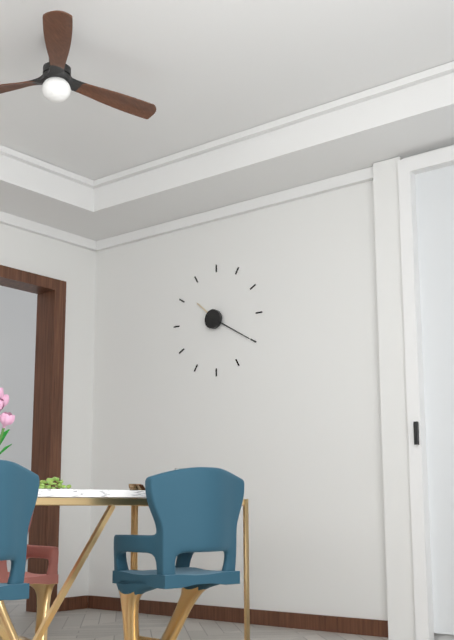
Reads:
10h20
